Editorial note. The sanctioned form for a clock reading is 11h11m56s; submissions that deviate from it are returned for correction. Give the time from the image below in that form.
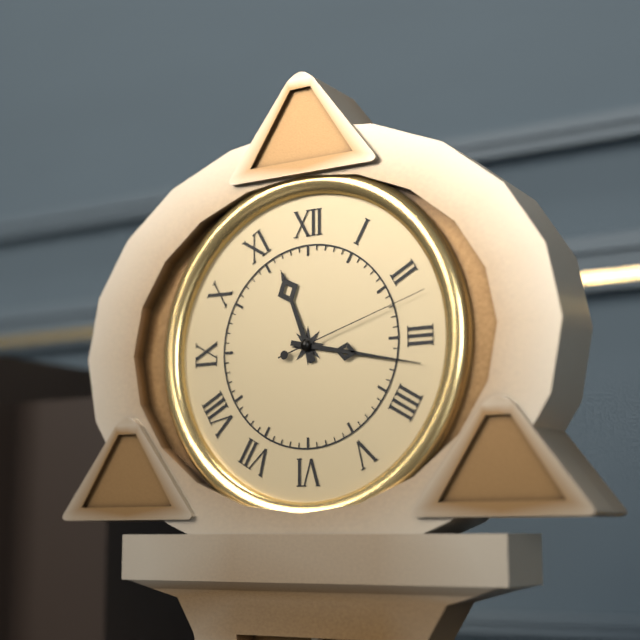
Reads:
11h17m12s
